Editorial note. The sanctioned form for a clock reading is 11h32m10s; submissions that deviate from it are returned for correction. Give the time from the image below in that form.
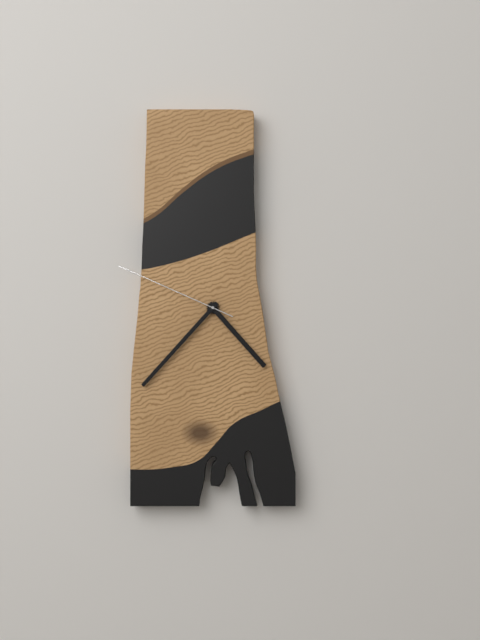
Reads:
4h37m49s
